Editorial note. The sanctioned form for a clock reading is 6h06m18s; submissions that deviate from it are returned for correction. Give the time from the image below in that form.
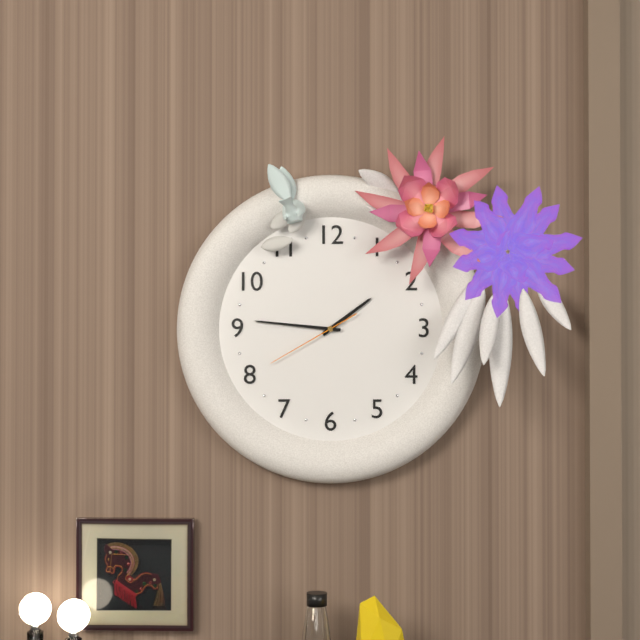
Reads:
1h46m40s
